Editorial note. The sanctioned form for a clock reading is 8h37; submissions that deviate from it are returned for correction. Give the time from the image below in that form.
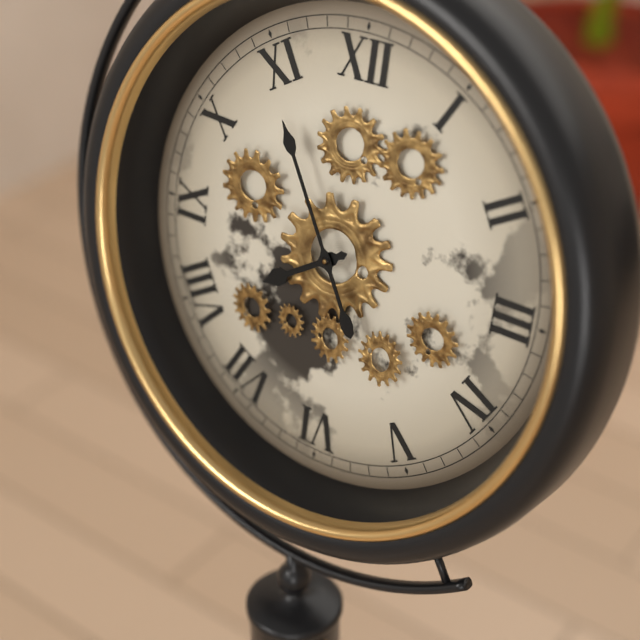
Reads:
7h55
